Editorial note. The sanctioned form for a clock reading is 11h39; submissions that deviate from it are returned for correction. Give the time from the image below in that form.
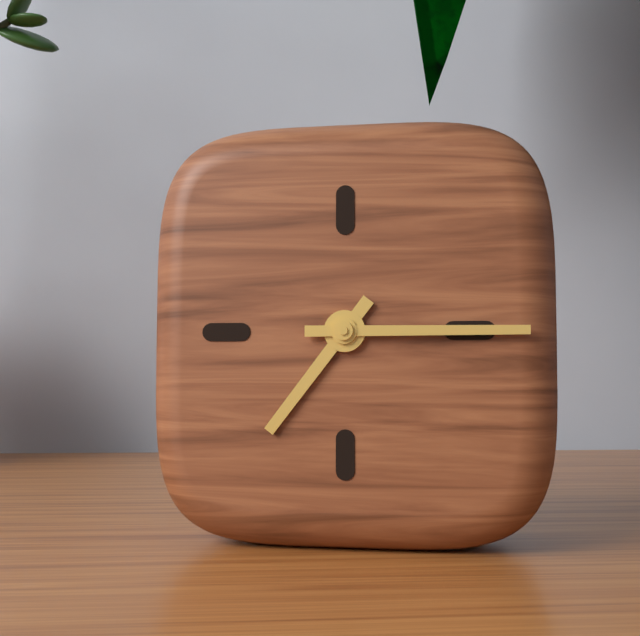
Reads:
7h15
